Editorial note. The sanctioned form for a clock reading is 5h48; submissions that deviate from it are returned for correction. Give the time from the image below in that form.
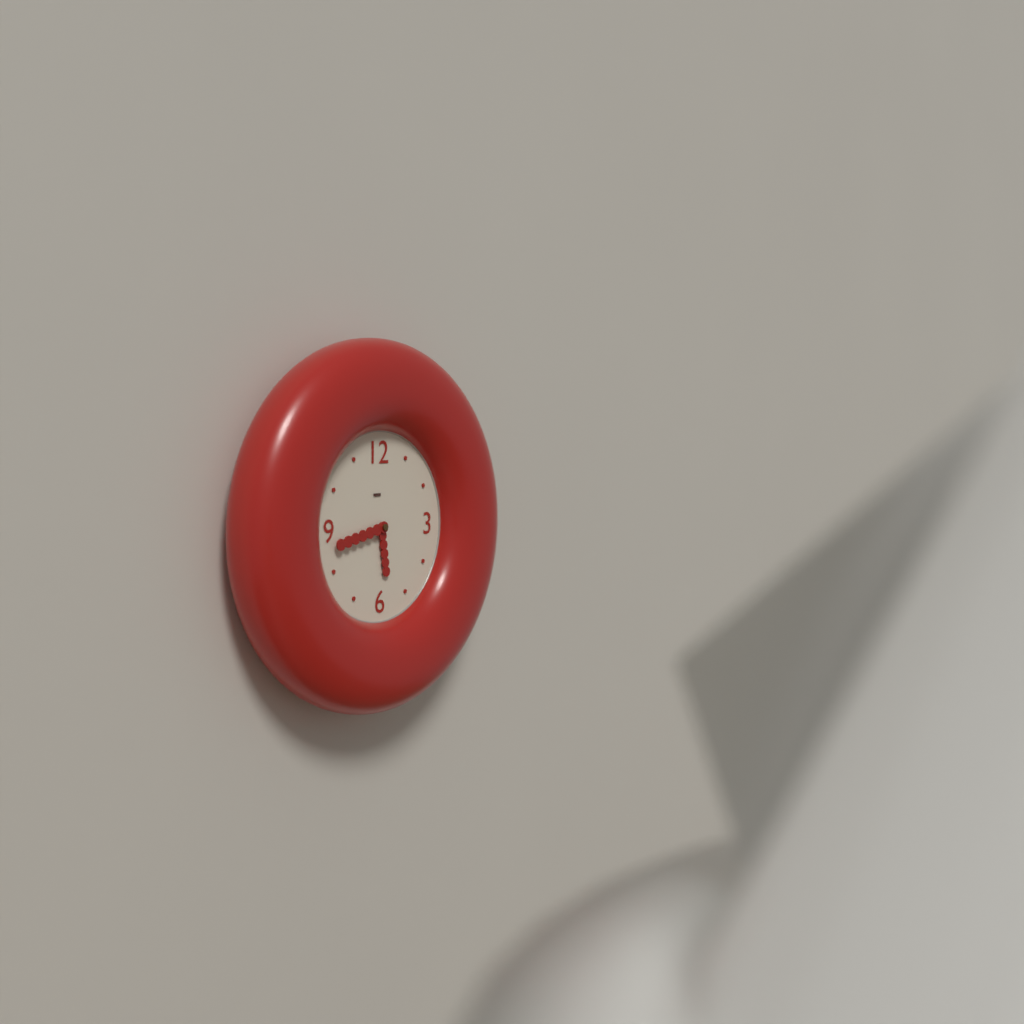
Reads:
5h43
